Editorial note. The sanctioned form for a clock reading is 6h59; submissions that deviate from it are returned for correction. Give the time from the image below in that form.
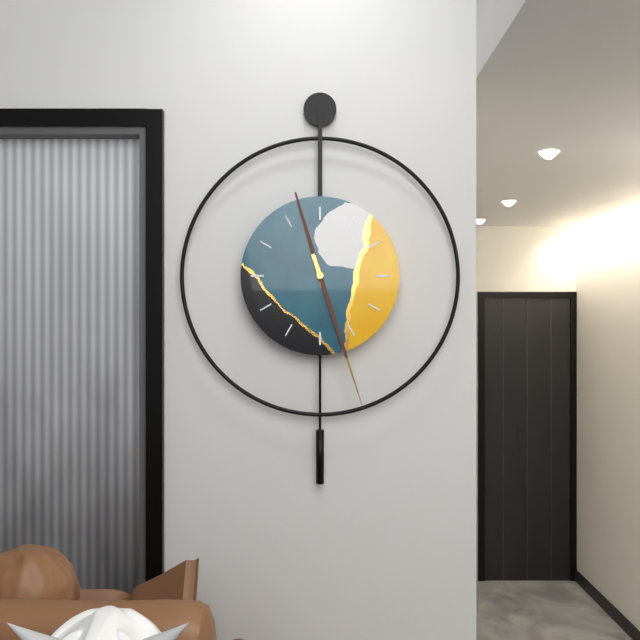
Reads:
11h27
